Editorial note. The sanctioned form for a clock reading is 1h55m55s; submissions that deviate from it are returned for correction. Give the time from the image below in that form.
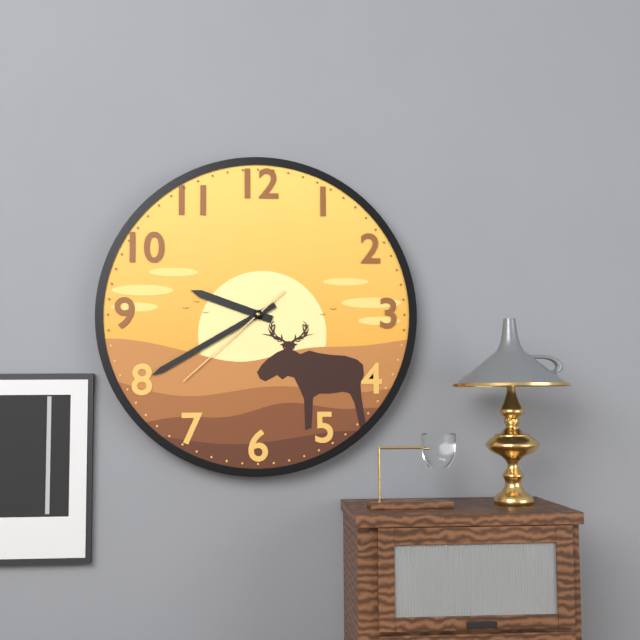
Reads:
9h40m38s
